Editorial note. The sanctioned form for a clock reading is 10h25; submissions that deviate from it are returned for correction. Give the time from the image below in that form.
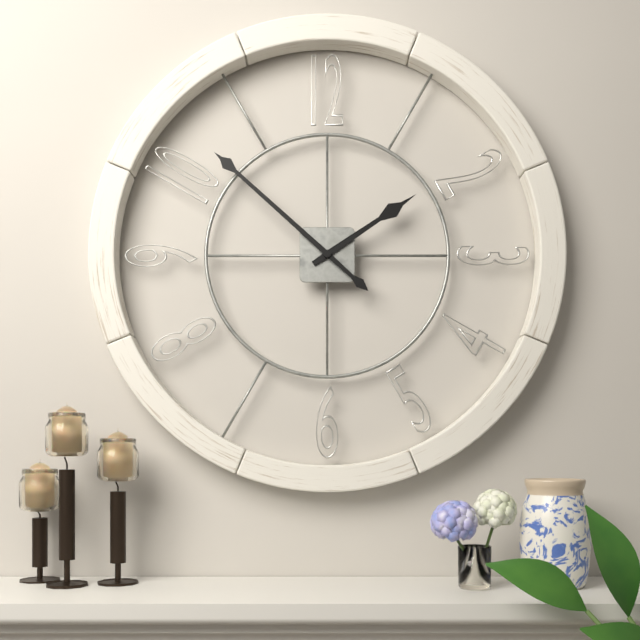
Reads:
1h52
